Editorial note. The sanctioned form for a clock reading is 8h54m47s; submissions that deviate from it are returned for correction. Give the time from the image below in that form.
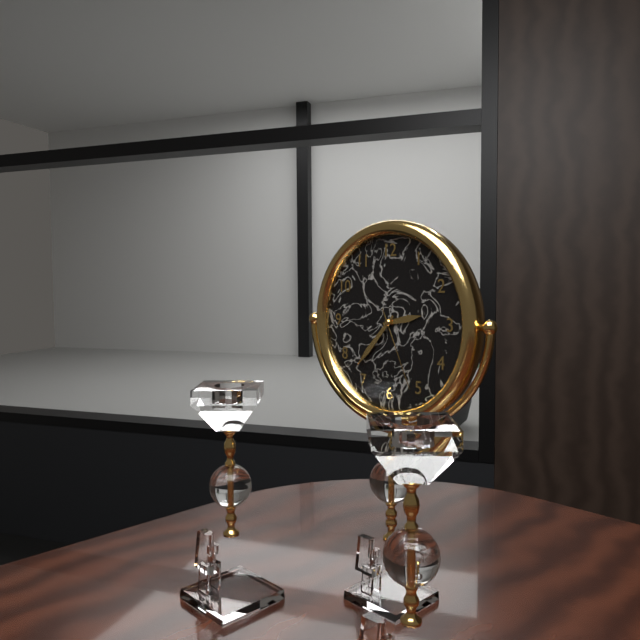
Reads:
2h37m26s
